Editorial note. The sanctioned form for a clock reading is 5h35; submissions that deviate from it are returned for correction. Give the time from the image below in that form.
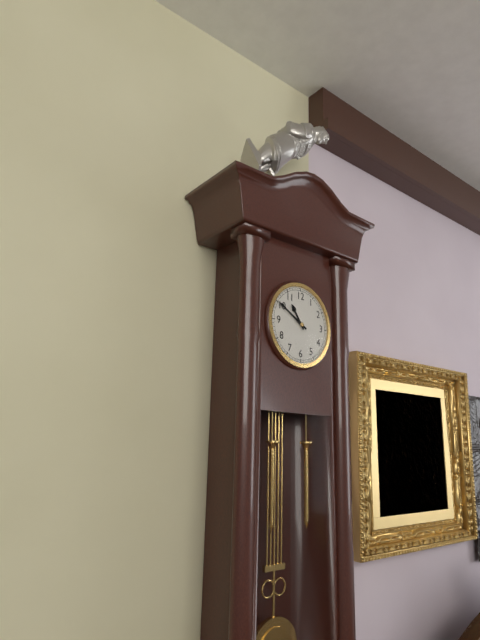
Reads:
10h50
